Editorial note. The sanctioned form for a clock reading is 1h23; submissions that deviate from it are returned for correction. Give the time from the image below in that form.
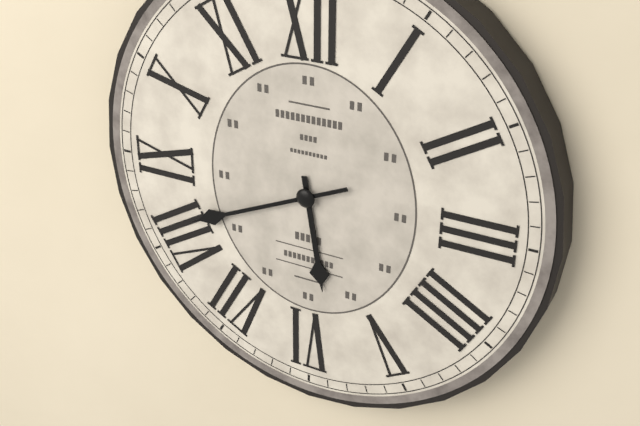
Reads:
5h41
